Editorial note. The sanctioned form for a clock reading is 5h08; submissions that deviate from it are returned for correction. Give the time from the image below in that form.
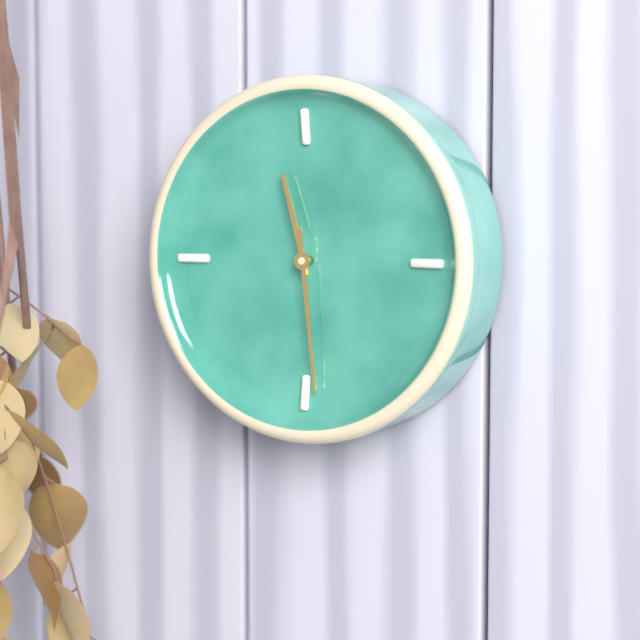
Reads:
11h29
